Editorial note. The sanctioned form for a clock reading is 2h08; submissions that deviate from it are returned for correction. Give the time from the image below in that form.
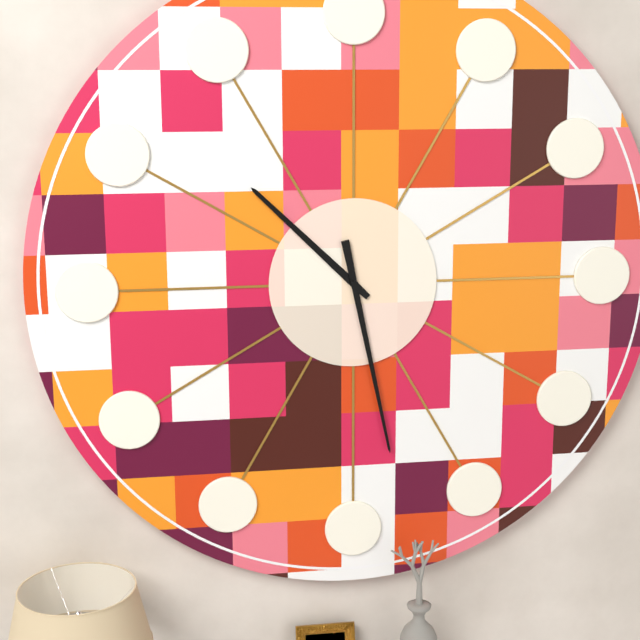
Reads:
10h28
